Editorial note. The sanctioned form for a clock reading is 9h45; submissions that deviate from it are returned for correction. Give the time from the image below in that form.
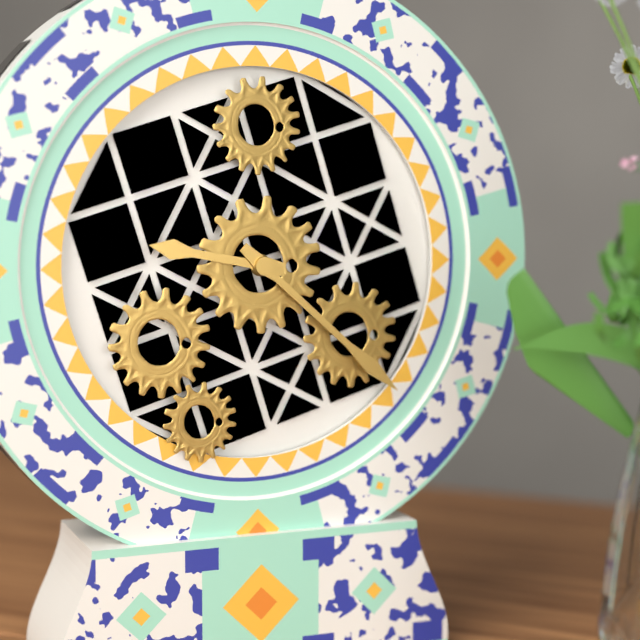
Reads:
9h22
